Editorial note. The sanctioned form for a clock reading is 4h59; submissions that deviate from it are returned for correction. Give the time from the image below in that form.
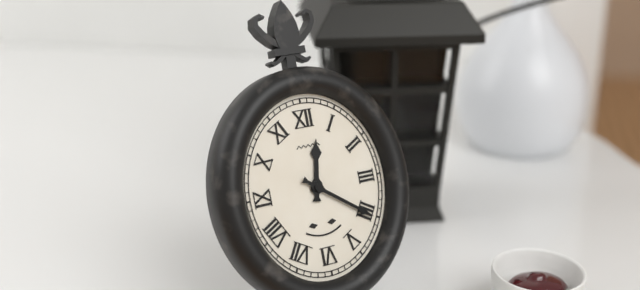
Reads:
12h21
